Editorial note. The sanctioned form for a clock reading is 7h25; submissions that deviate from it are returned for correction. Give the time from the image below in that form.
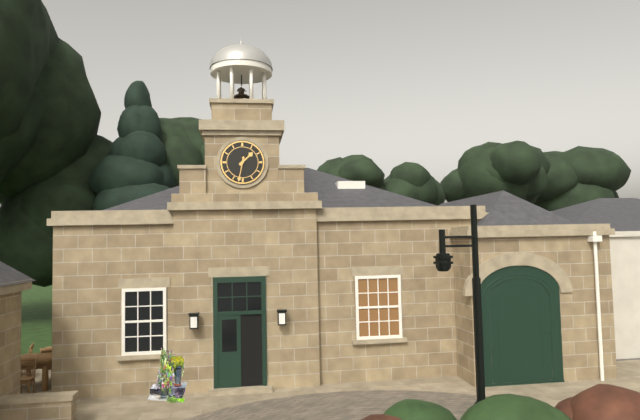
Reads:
1h32
